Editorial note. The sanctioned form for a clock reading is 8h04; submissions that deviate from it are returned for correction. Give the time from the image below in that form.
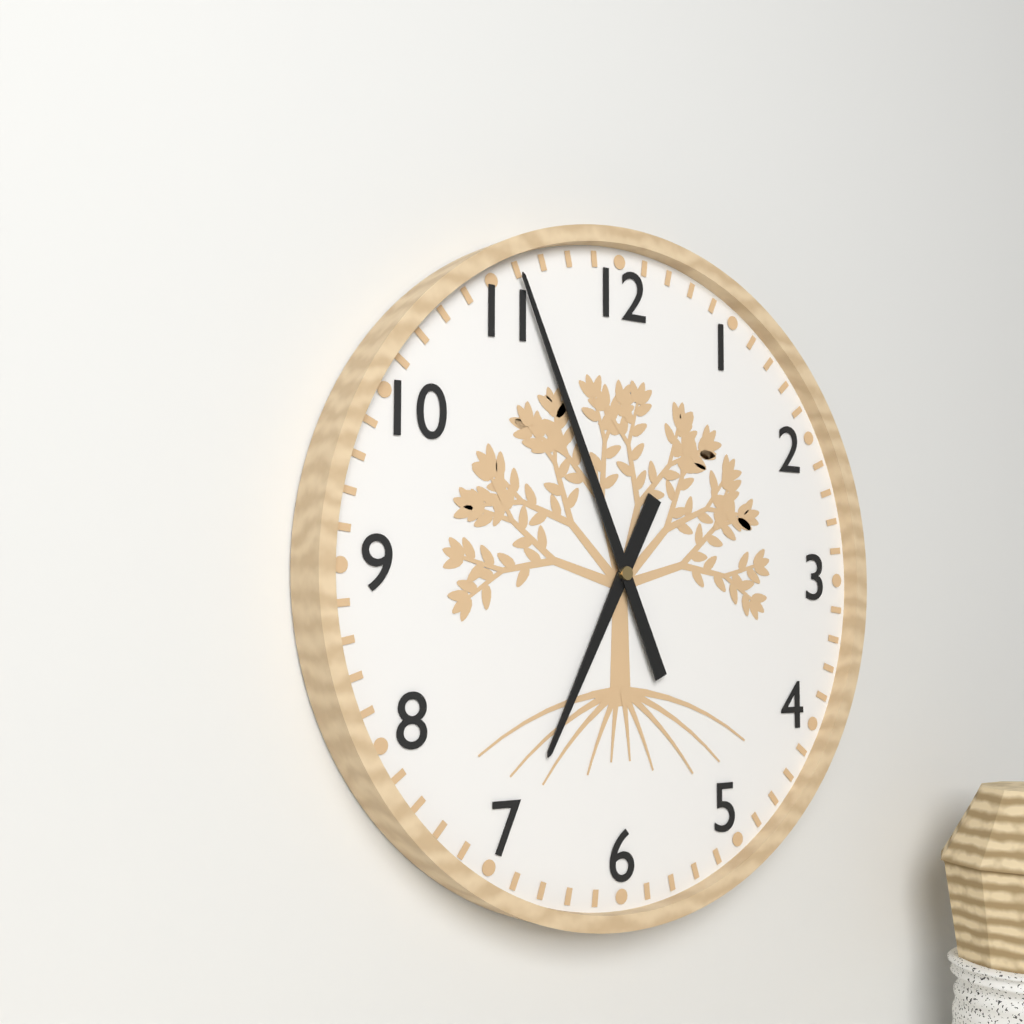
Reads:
6h56
